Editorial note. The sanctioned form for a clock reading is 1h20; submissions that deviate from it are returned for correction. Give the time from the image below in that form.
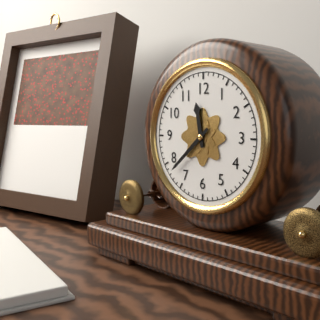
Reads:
11h38
